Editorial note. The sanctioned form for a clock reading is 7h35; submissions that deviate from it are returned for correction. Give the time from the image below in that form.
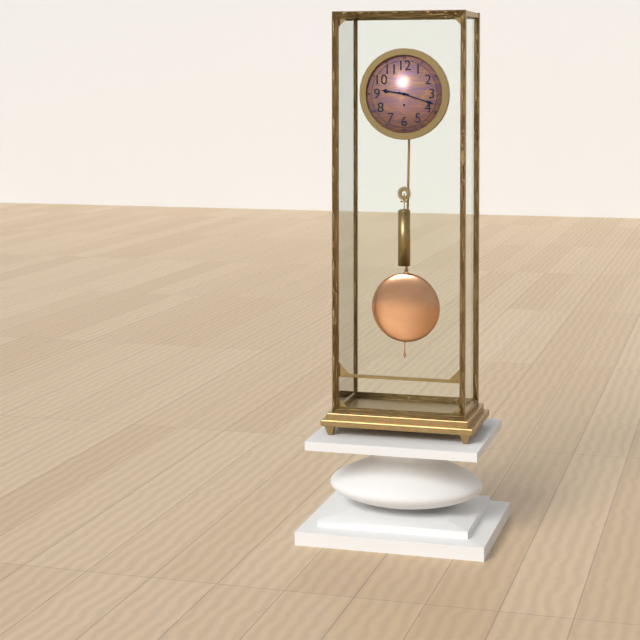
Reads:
9h18
